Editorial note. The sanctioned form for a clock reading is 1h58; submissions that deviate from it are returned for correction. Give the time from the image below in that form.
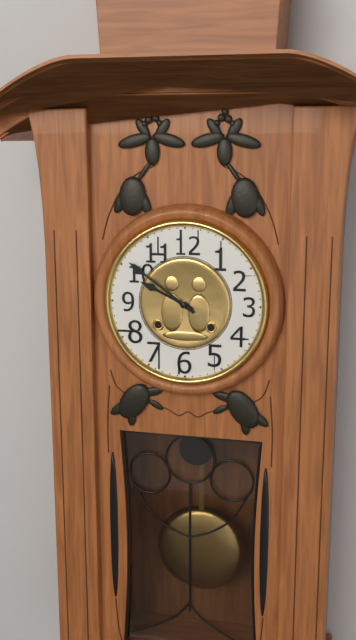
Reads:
9h51
